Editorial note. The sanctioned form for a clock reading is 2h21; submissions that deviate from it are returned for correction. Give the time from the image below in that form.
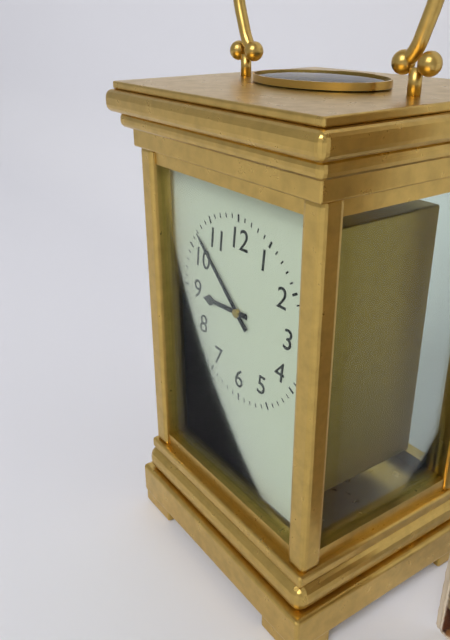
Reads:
8h52
